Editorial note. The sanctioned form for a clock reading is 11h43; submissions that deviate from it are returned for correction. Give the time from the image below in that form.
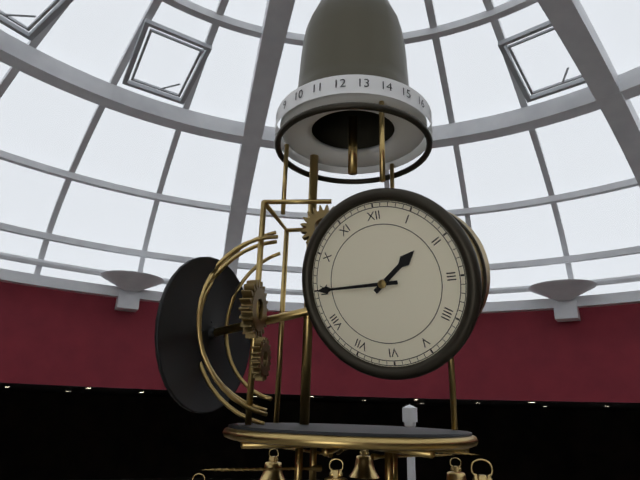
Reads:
1h45
